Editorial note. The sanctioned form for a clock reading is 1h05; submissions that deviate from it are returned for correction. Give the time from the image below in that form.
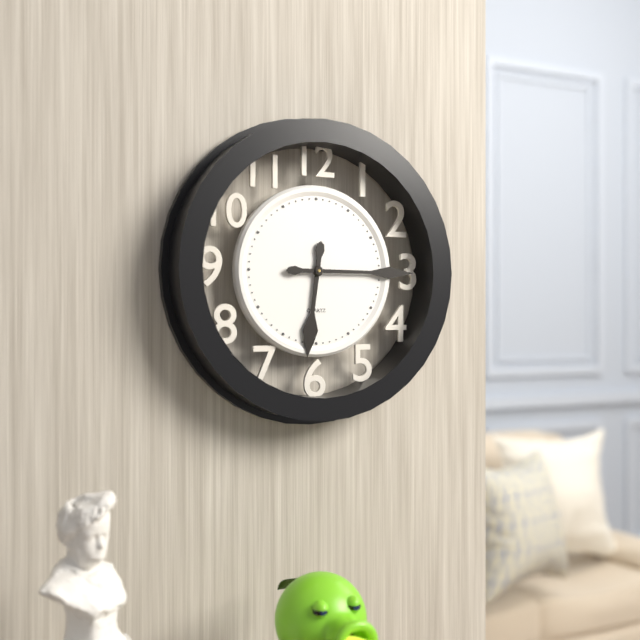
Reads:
6h15
